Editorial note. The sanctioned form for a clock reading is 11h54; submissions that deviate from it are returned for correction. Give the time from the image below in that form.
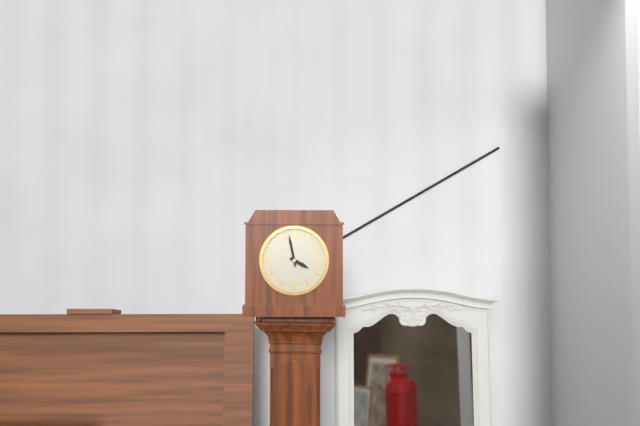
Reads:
3h58
